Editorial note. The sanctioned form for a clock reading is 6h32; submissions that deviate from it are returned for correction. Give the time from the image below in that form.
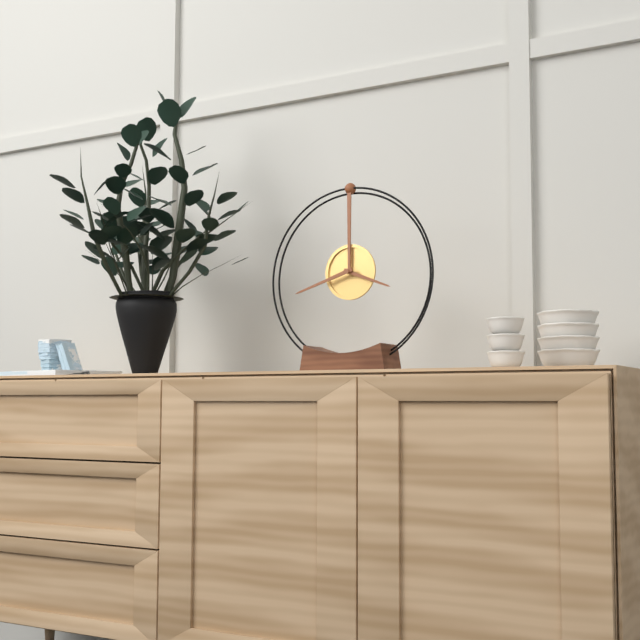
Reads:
3h42
